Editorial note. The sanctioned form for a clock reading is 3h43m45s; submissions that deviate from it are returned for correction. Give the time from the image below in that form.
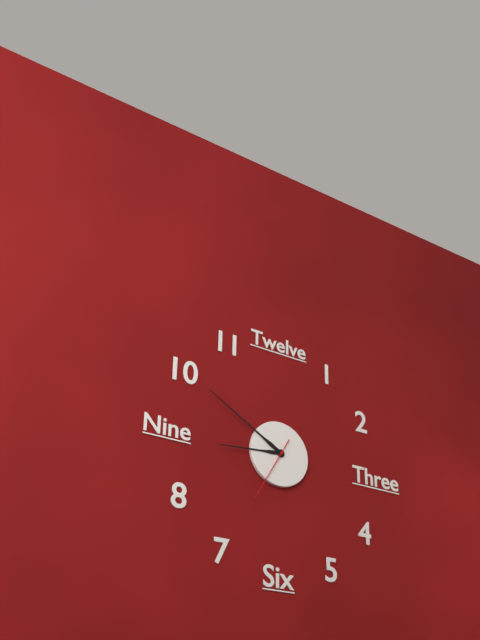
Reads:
8h50m35s
